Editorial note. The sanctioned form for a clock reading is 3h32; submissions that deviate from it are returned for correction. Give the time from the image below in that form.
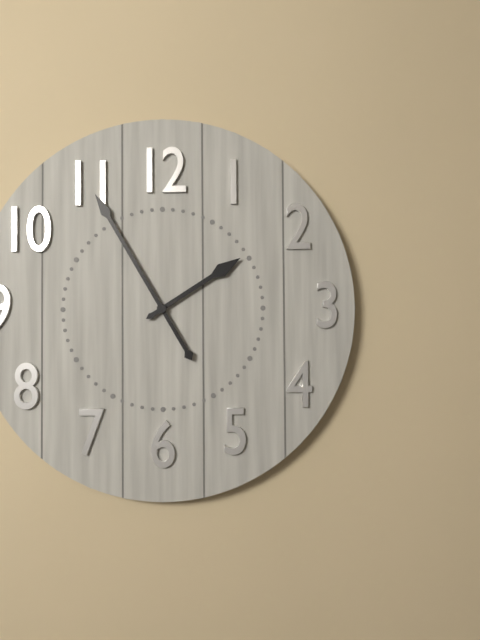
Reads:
1h55
